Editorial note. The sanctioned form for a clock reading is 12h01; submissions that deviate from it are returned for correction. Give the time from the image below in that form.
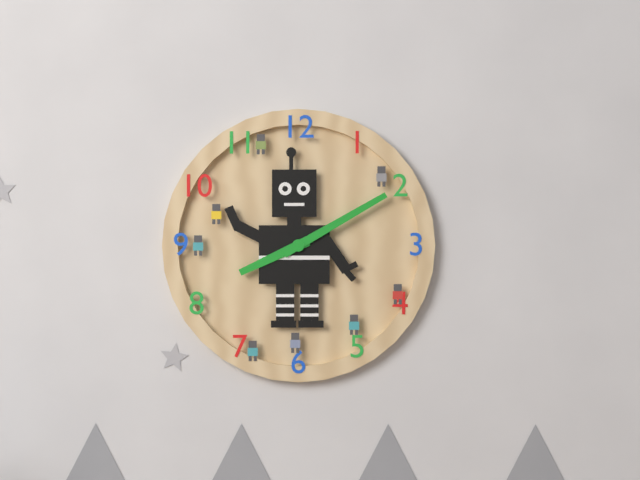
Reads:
8h10
